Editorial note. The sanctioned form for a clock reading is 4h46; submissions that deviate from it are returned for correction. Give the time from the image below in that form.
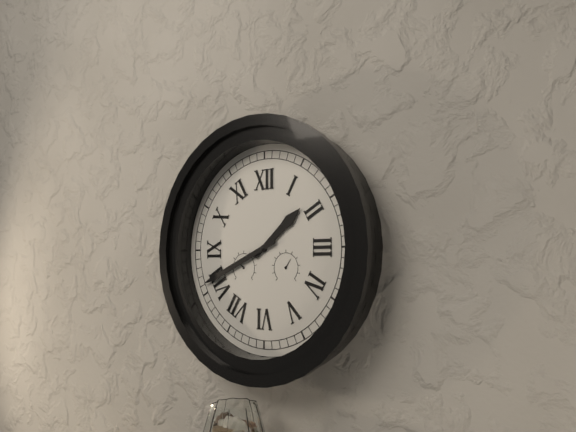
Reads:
1h41
